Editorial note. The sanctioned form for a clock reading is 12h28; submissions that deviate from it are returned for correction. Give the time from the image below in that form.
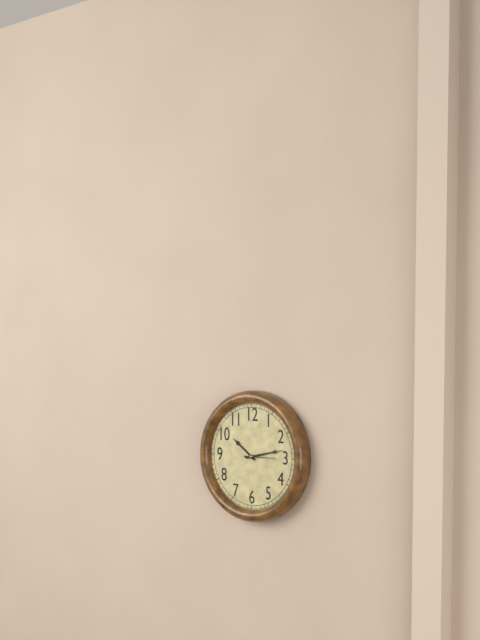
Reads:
10h13
